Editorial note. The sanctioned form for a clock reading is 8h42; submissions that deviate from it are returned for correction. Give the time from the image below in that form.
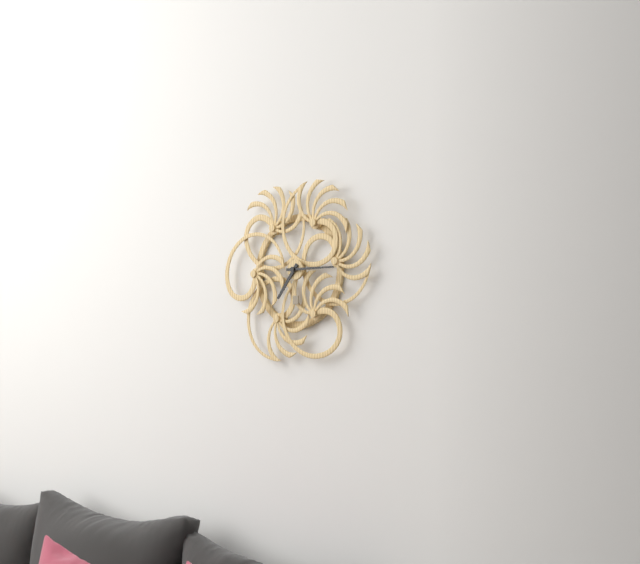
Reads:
7h15
